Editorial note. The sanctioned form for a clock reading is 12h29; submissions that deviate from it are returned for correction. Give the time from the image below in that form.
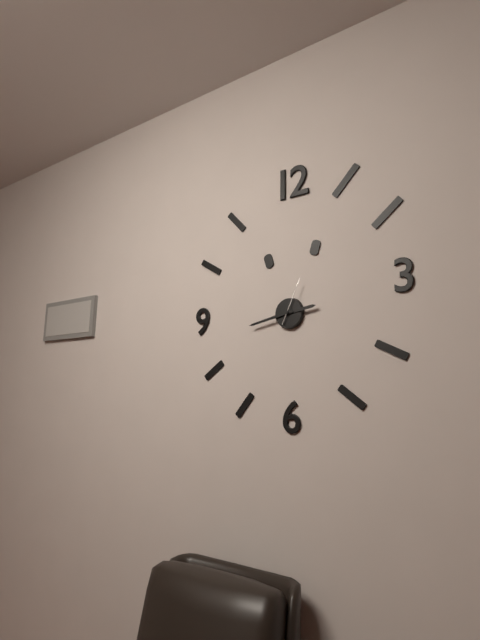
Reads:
2h43
